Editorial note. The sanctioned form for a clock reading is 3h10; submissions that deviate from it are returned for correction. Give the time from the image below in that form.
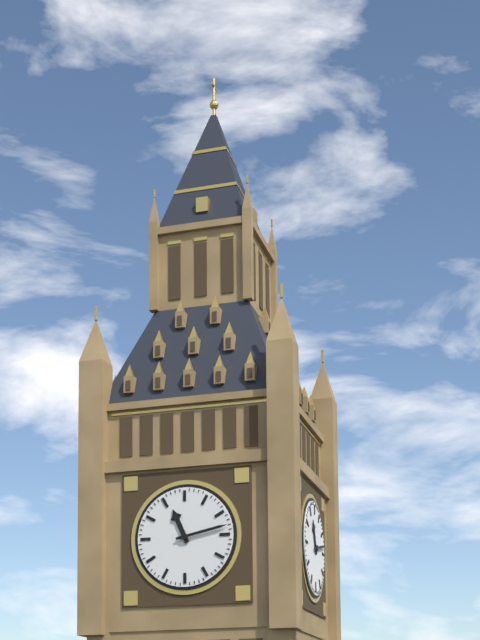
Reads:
11h13
